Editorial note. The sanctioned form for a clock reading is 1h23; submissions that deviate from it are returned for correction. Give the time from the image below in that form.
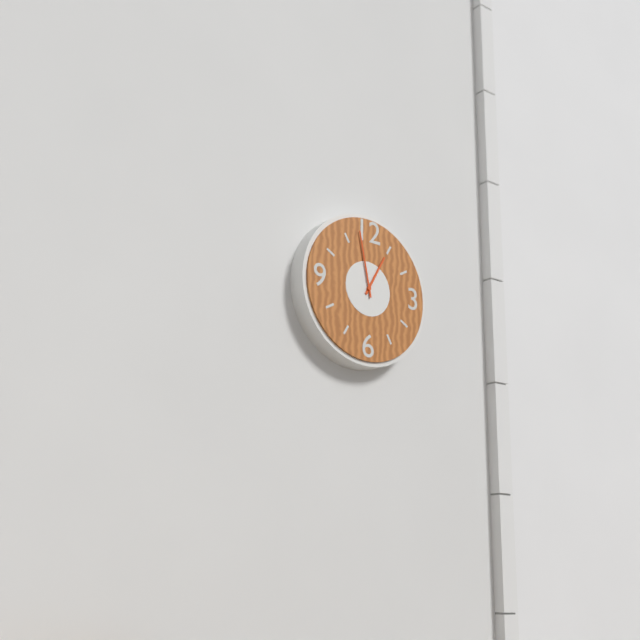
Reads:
12h58
